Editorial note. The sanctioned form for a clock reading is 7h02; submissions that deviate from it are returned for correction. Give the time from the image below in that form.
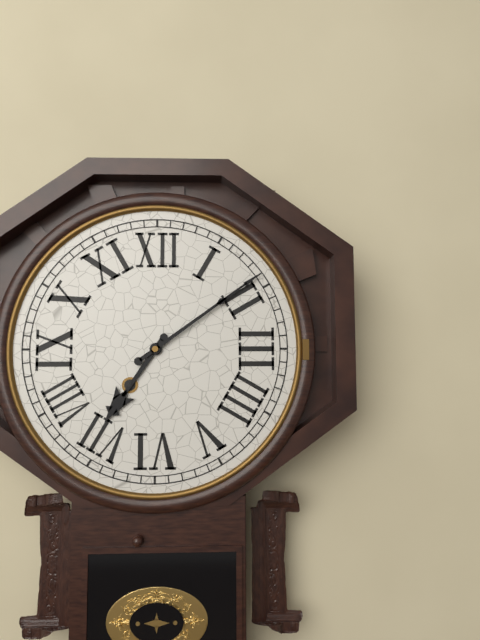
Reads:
7h09
